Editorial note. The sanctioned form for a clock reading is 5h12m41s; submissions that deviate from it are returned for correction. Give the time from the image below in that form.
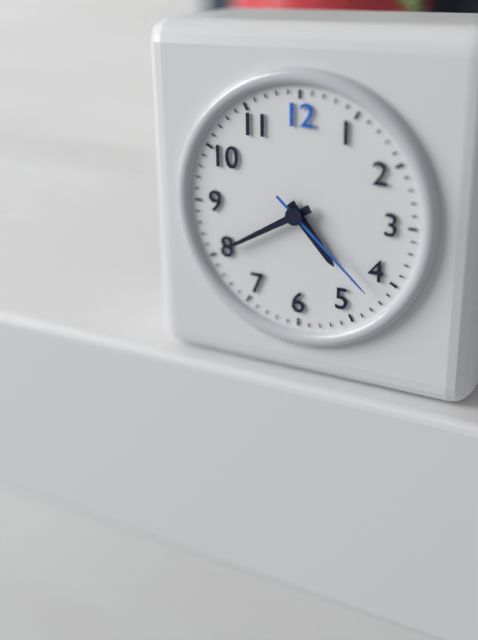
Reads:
4h40m22s
